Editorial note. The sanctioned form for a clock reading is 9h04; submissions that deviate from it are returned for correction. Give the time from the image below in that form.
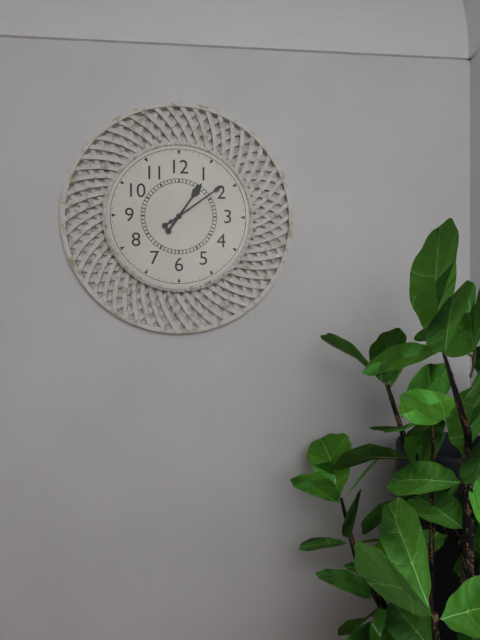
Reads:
1h09
